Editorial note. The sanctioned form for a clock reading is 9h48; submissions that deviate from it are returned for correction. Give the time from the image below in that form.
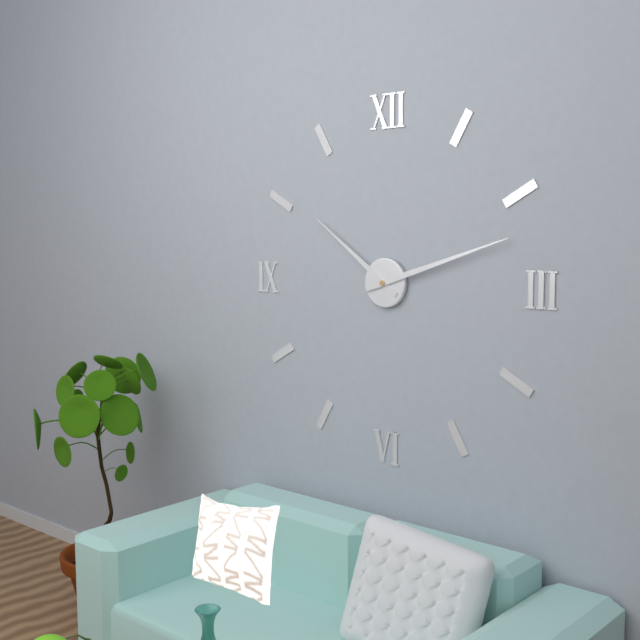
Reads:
10h12
